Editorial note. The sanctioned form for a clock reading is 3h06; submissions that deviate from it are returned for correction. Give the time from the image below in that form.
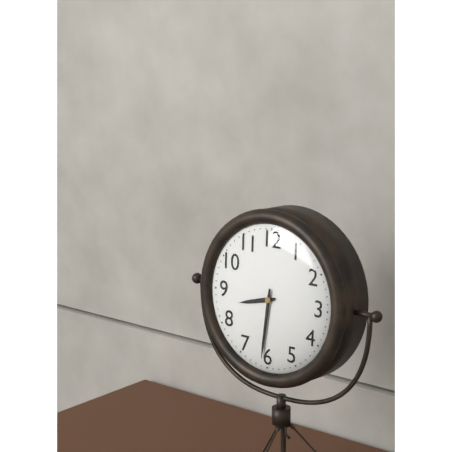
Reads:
8h31
